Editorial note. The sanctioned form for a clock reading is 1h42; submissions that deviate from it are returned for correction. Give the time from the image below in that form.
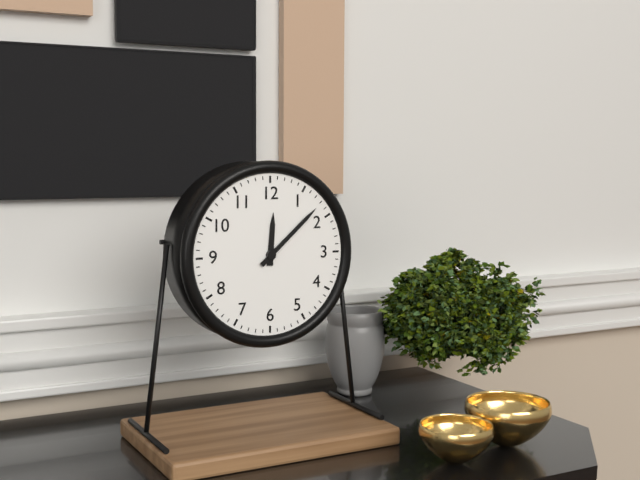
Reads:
12h08
